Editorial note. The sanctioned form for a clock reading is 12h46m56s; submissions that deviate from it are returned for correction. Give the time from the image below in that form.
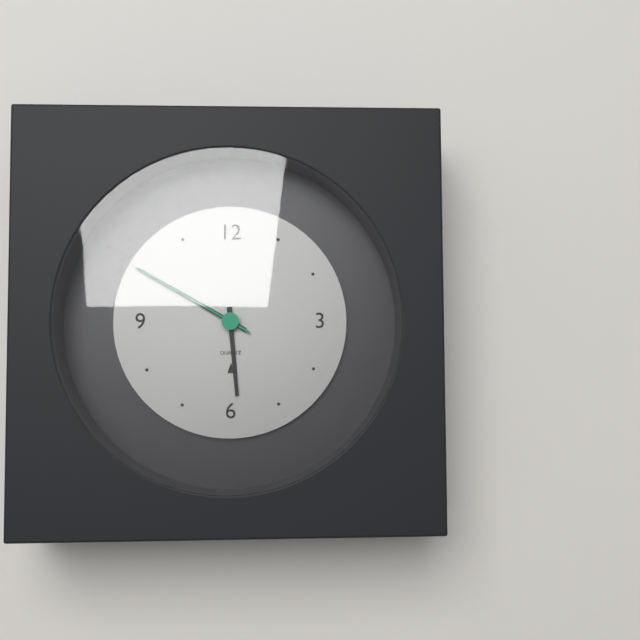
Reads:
5h50m50s
